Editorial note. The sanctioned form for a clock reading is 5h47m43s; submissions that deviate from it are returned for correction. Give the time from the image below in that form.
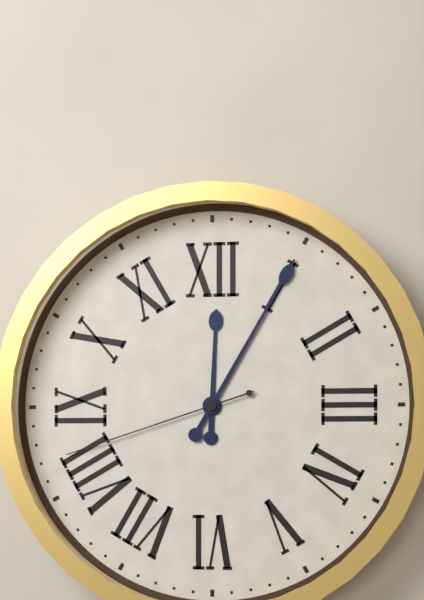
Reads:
12h05m42s
